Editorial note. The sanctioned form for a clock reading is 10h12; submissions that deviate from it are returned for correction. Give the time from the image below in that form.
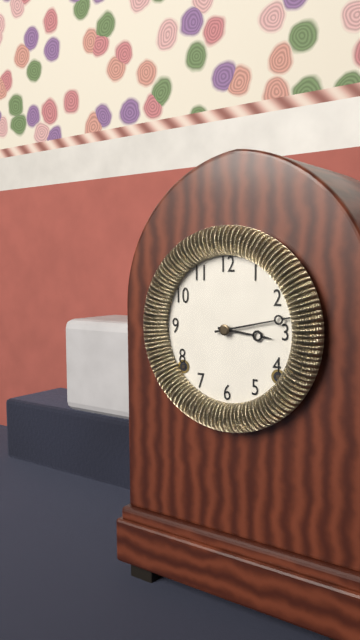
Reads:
3h13
